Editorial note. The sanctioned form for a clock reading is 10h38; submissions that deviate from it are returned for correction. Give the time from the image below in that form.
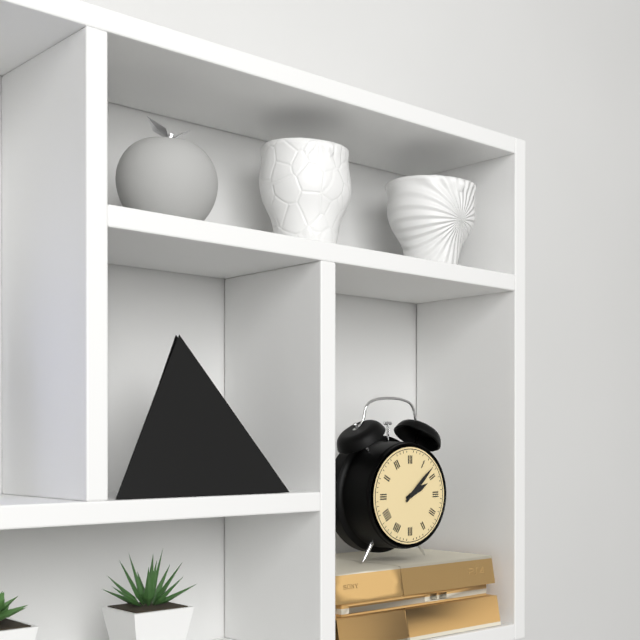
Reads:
2h08
